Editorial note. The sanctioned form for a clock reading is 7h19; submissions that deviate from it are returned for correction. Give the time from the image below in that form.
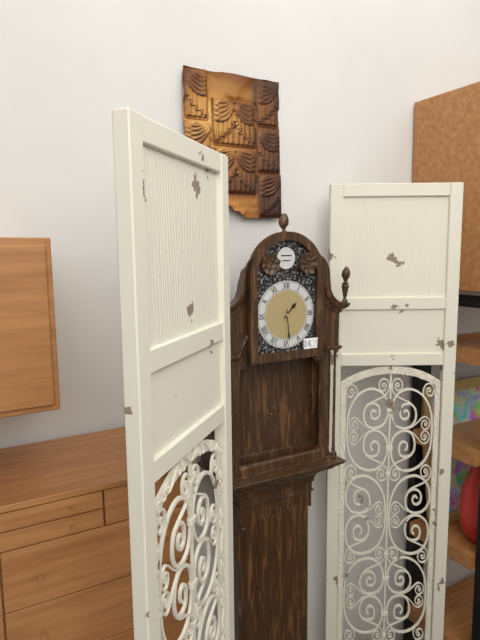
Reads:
1h29
